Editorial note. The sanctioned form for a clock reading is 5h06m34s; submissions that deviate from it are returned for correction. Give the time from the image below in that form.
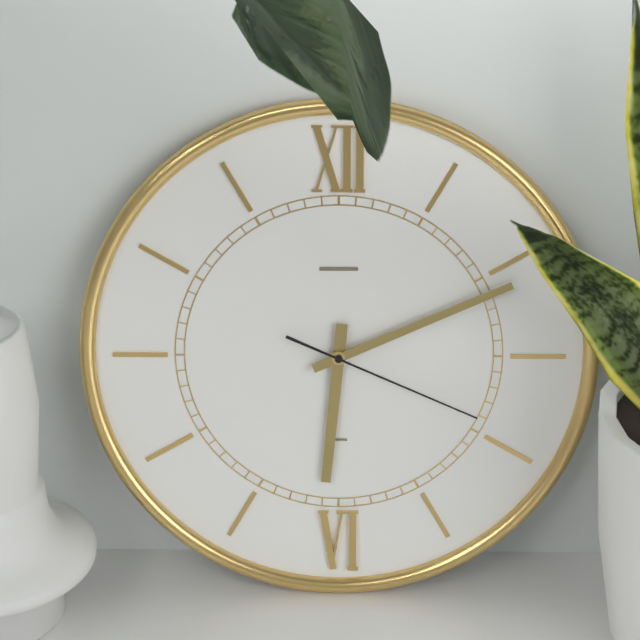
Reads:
6h11m19s
